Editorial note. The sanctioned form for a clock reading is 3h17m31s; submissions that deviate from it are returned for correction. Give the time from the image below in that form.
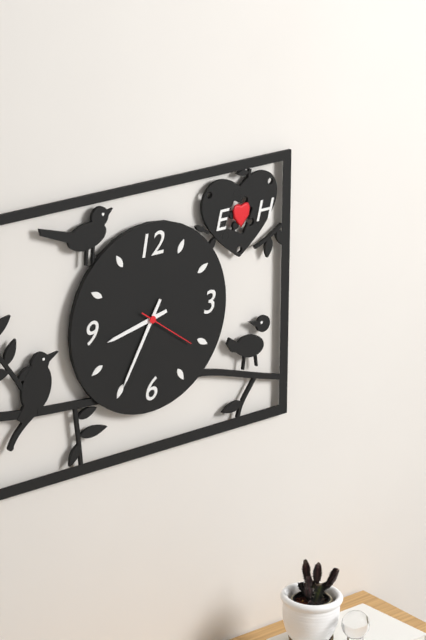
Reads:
8h35m21s
